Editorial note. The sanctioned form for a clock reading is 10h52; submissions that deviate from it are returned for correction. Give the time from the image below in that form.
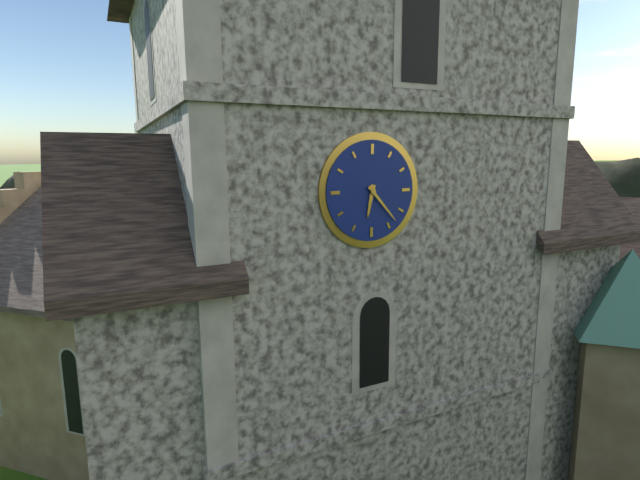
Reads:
6h23
